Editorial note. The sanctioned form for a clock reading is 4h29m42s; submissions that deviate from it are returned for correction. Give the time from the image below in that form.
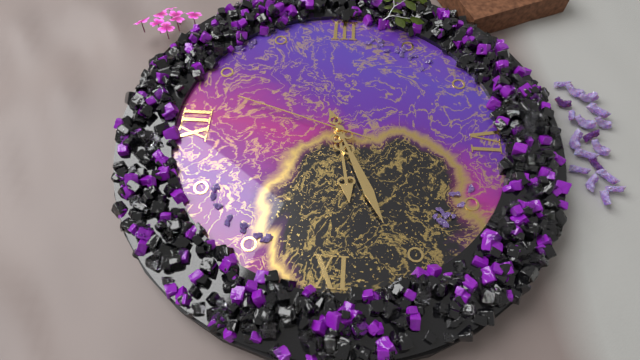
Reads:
8h41m03s
